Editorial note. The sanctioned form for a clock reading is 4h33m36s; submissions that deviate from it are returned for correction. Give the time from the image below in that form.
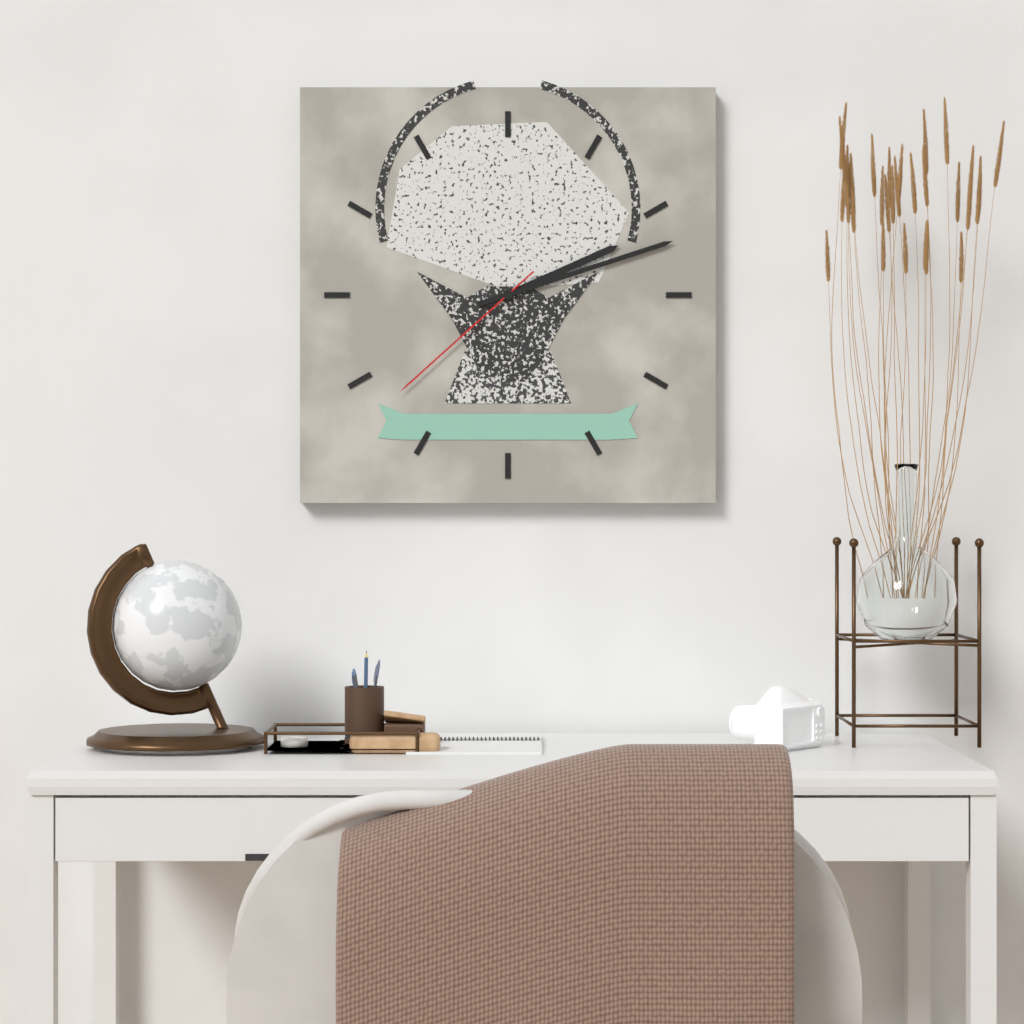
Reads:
2h12m38s
